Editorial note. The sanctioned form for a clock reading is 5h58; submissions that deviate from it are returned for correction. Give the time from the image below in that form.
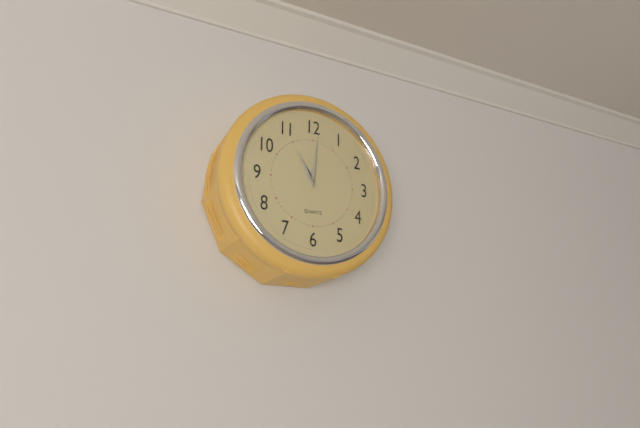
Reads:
11h01
